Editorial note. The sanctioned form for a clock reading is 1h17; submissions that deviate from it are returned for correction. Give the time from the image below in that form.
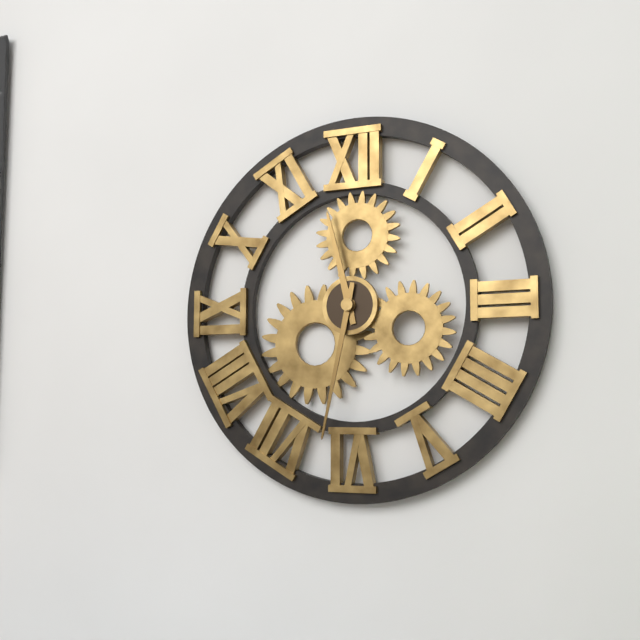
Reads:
11h32
